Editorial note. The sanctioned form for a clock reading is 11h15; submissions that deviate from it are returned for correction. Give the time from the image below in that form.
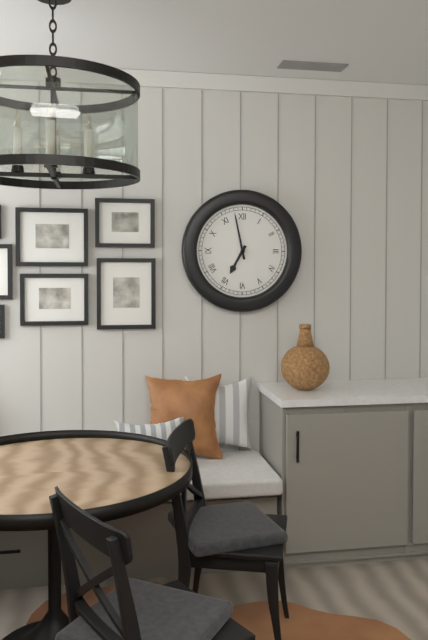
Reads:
6h58
